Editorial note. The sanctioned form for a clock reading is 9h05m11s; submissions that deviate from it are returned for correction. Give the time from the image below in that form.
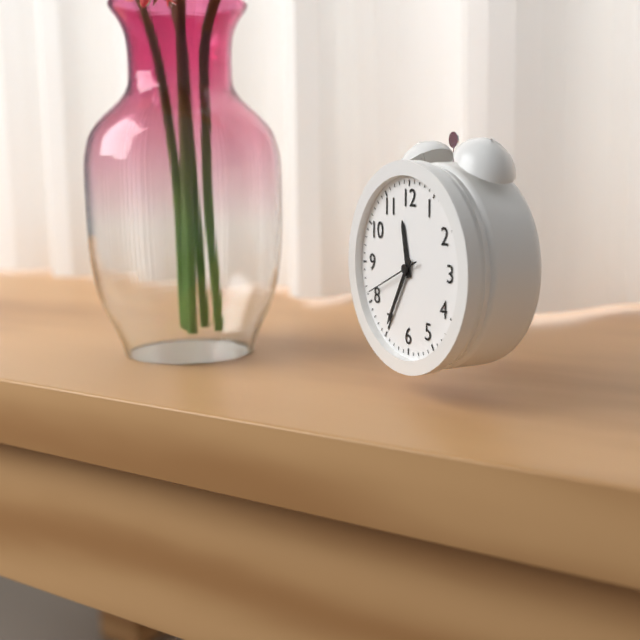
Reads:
11h35m41s
